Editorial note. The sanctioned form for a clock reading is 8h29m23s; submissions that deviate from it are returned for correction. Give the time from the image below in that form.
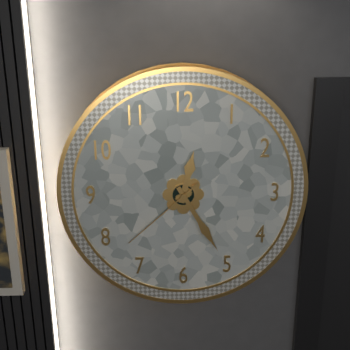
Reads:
12h25m38s
